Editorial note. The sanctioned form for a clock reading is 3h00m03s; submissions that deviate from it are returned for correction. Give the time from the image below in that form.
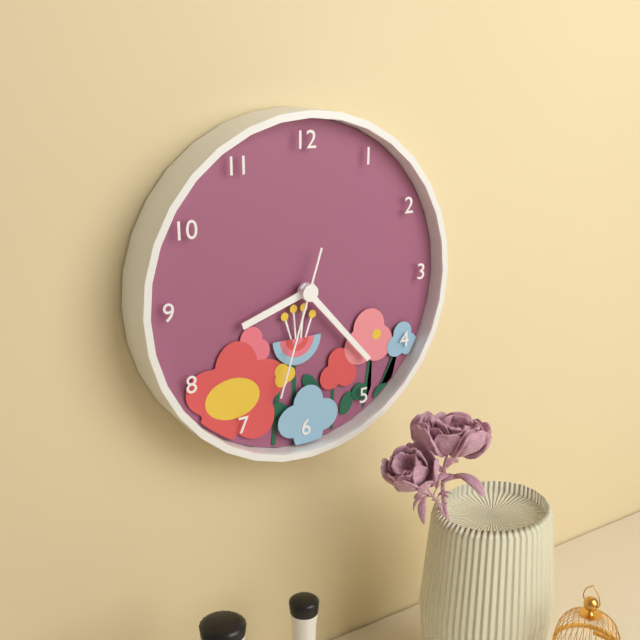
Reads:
8h23m33s
